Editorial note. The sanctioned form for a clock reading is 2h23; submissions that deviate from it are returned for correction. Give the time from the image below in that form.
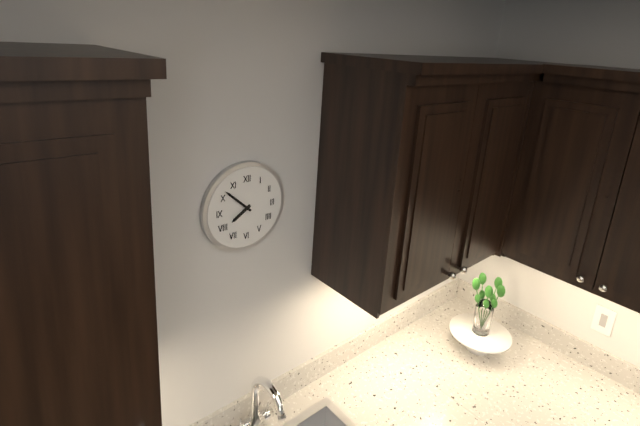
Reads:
7h52
